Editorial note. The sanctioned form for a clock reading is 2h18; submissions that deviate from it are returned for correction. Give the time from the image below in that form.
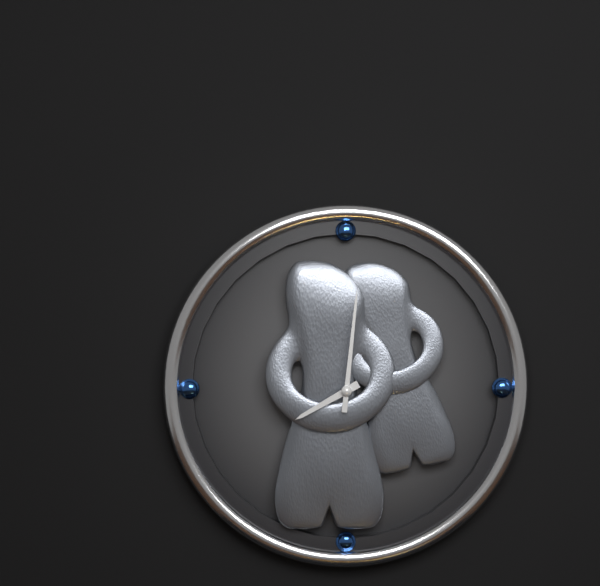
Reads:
8h01
